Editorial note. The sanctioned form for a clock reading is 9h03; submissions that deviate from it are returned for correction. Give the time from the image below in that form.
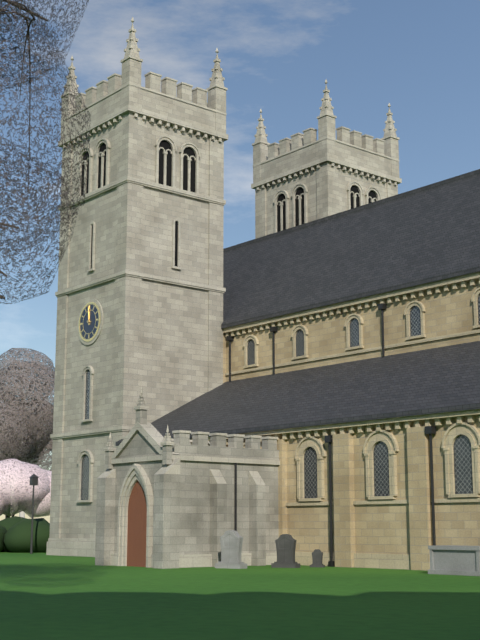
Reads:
11h59
